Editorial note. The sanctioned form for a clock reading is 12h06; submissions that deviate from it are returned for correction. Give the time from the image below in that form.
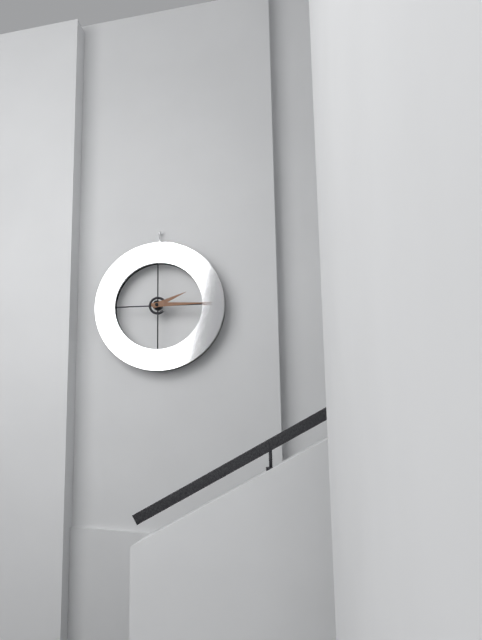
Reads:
2h15
